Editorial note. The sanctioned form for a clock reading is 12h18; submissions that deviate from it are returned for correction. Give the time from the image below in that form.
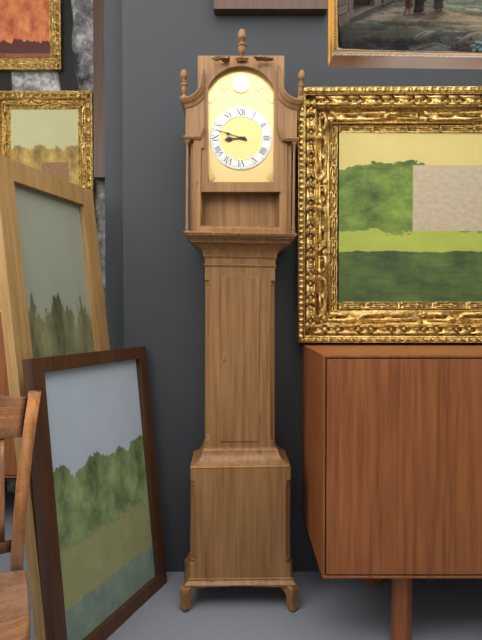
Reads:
8h48
